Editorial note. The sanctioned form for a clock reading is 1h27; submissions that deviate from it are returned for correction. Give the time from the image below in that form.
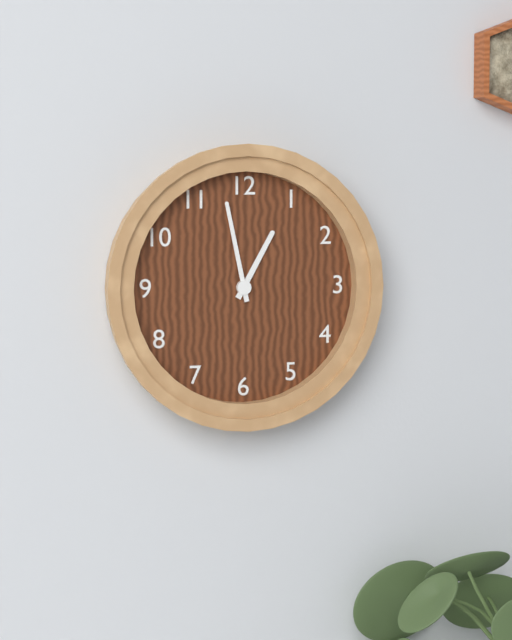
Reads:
12h58
